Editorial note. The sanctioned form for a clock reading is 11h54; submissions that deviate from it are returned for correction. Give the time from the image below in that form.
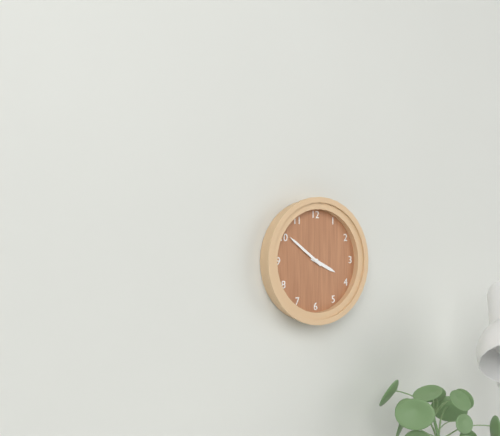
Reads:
3h51
